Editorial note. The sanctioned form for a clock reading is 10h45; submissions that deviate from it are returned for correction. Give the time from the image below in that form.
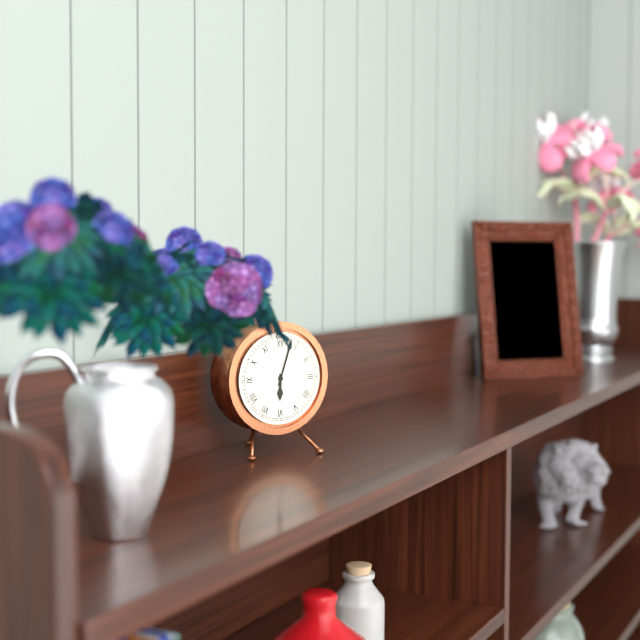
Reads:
6h03
